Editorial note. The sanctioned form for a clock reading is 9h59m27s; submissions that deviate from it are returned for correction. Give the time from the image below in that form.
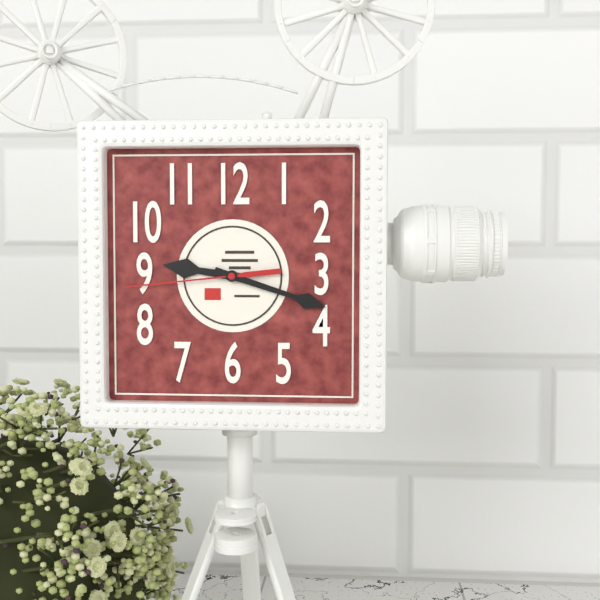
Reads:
9h18m44s
